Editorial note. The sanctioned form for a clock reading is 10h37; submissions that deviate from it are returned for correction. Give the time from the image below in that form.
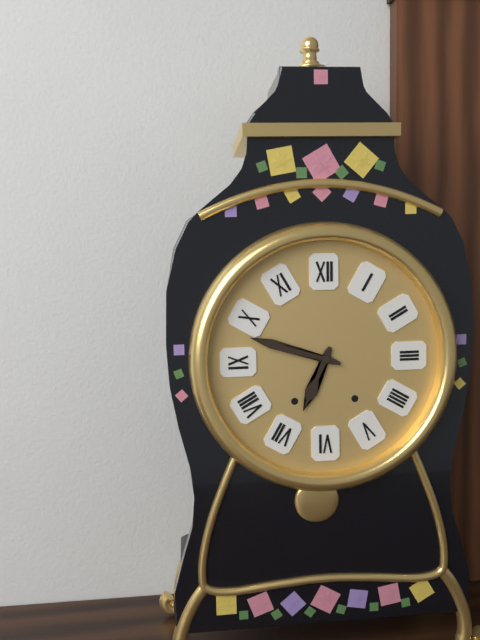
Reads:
6h48
